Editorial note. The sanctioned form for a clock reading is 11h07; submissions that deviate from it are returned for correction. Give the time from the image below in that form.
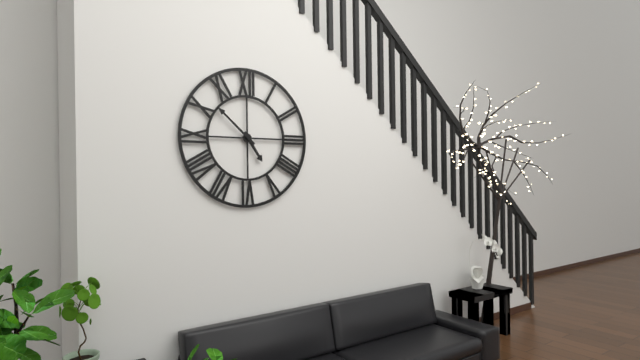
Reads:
4h52
